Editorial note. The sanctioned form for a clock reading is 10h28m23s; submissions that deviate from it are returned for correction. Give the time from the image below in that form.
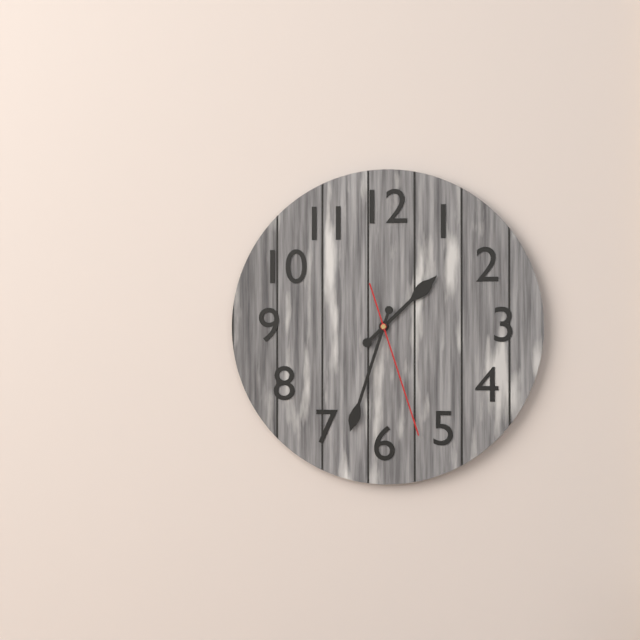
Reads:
1h33m27s
